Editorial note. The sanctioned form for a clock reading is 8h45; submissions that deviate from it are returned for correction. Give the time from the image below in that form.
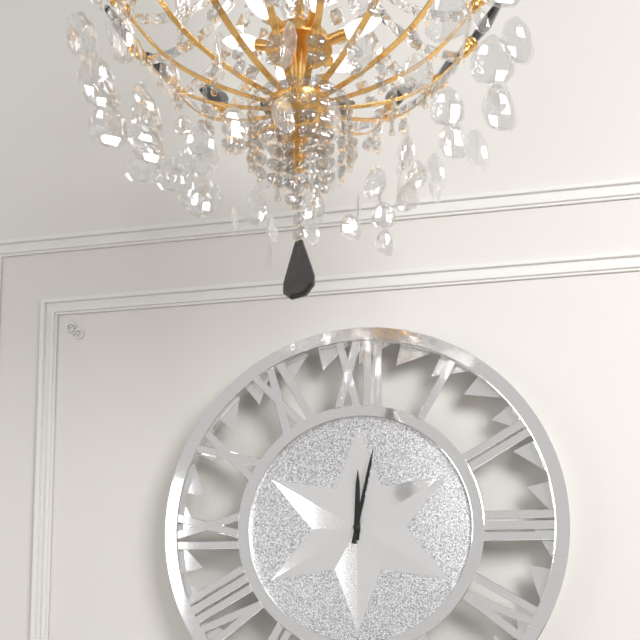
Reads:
12h02
